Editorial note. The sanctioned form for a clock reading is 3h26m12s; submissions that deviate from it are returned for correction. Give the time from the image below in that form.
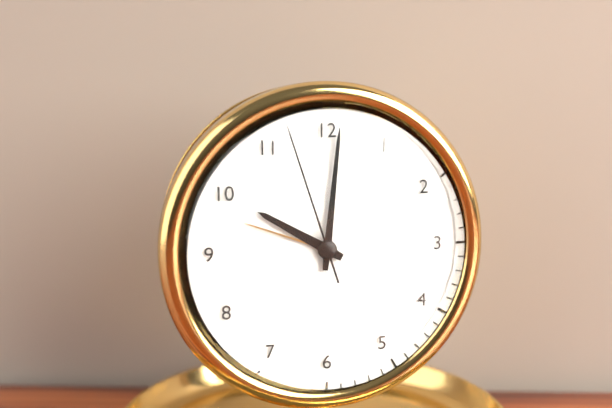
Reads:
10h01m57s
